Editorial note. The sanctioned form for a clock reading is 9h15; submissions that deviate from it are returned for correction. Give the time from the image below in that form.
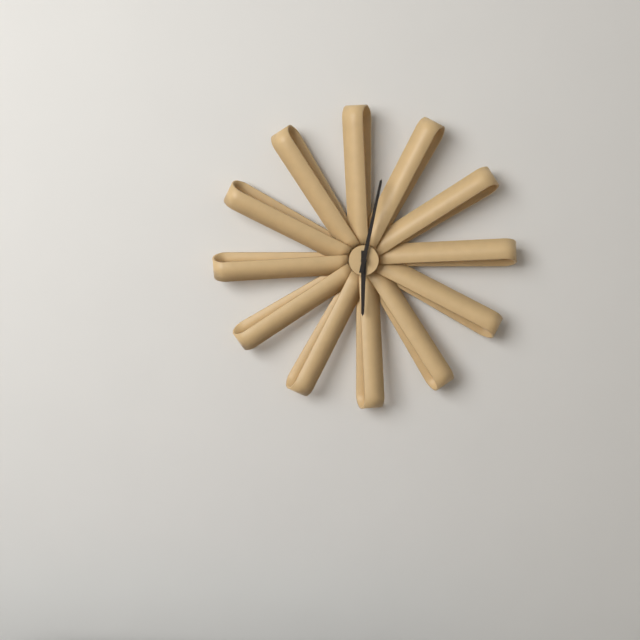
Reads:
6h02
